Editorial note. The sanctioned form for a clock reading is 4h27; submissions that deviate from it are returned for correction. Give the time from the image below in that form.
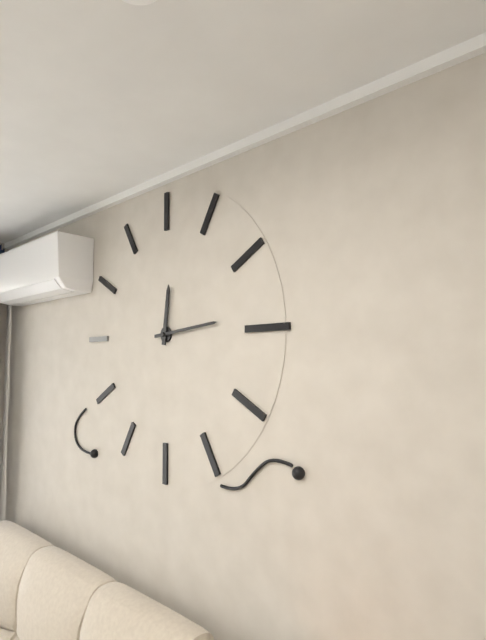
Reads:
12h14
